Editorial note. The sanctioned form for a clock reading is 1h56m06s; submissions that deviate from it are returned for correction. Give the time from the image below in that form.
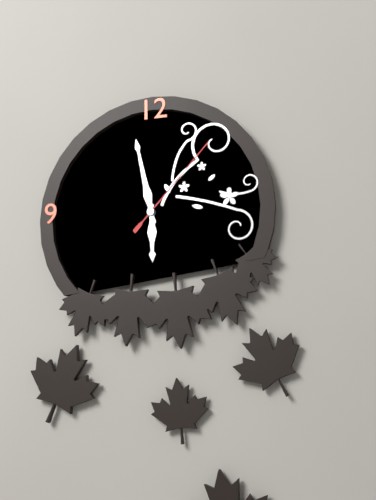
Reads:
5h58m07s
